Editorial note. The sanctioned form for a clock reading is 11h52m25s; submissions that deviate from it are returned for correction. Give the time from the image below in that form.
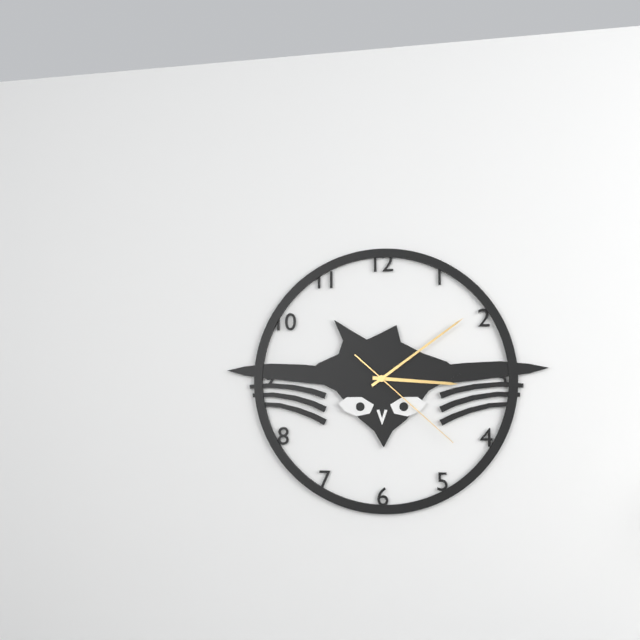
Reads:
3h09m22s
